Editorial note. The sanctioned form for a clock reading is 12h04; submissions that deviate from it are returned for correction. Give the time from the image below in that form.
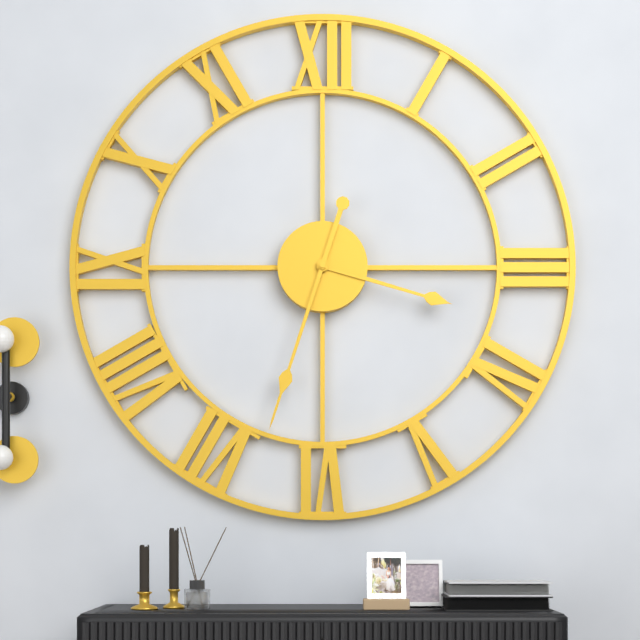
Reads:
3h33
